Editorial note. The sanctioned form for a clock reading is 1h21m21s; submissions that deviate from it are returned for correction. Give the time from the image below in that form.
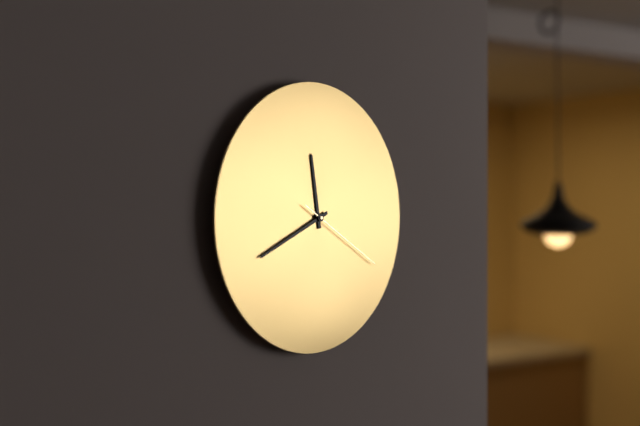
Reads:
11h41m20s
